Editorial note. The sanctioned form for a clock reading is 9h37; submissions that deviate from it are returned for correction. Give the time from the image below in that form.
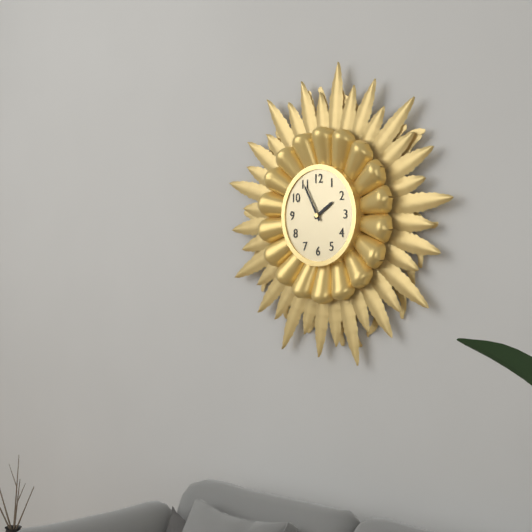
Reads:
1h55
